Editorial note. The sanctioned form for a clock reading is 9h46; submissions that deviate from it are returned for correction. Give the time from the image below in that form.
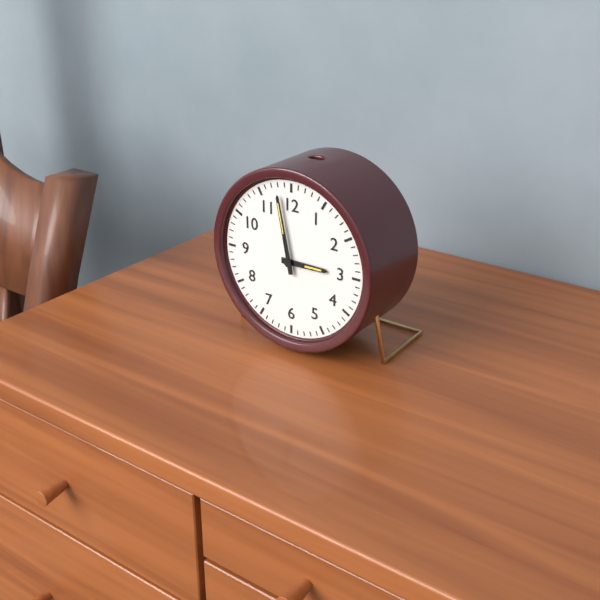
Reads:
2h58
